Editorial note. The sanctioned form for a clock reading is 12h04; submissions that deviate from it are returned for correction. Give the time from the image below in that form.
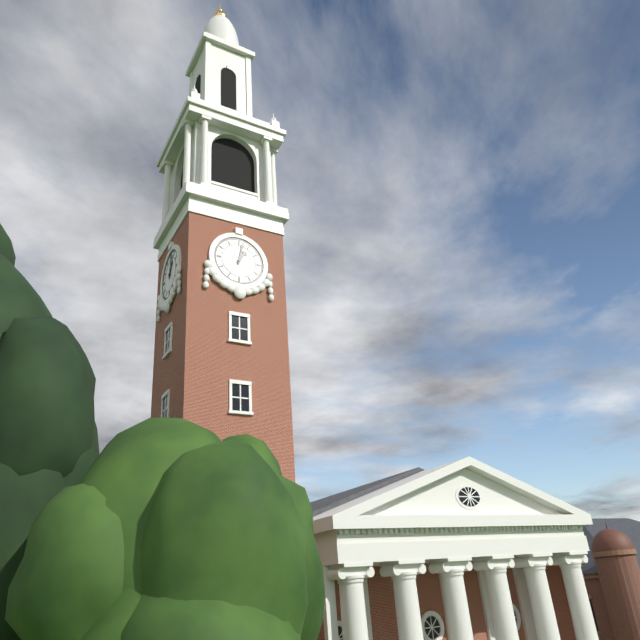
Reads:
1h02
